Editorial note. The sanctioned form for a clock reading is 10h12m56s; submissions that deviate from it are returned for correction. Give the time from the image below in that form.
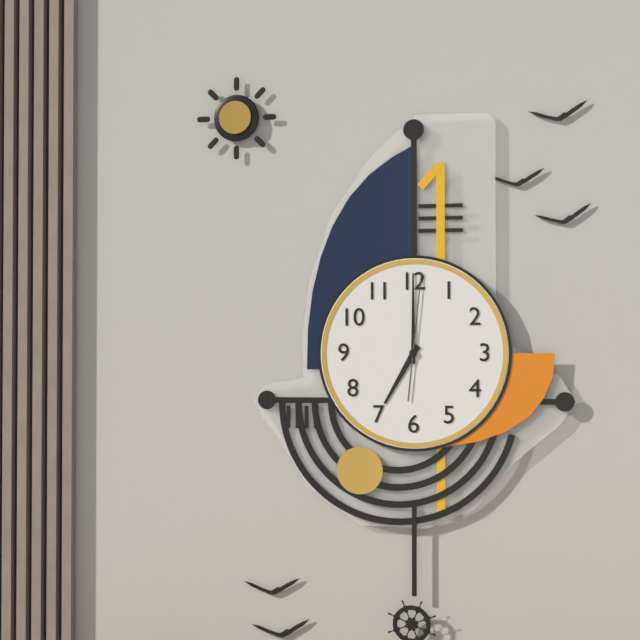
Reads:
7h00m01s
